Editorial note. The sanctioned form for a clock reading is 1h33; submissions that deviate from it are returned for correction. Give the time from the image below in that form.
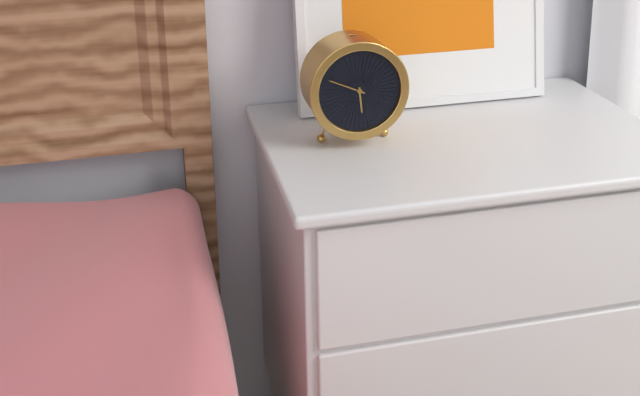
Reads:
5h49
